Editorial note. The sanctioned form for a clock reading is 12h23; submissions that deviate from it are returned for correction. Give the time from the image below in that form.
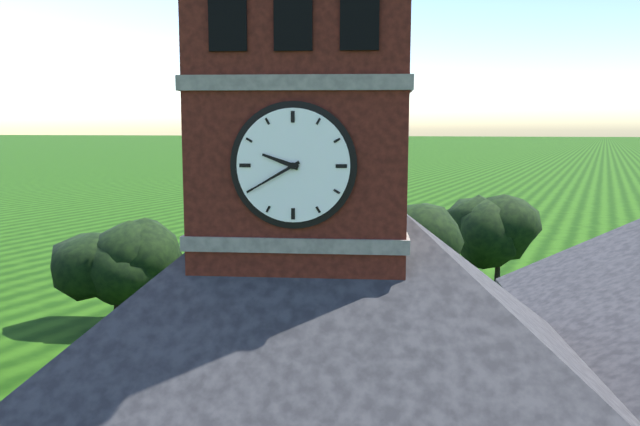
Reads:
9h40
